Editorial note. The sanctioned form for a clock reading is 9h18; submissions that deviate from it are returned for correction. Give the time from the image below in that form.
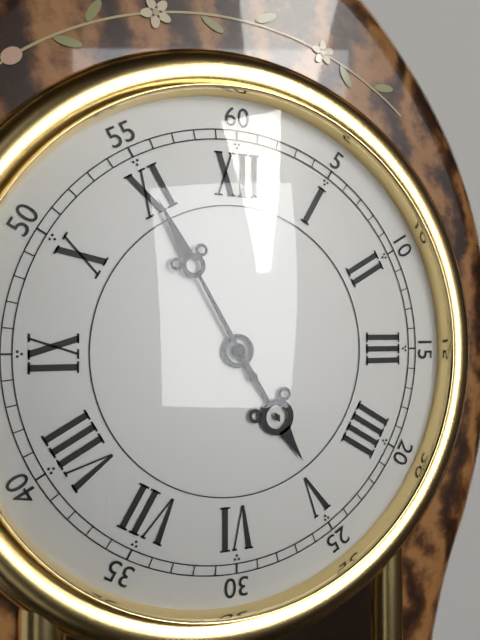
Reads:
4h55
